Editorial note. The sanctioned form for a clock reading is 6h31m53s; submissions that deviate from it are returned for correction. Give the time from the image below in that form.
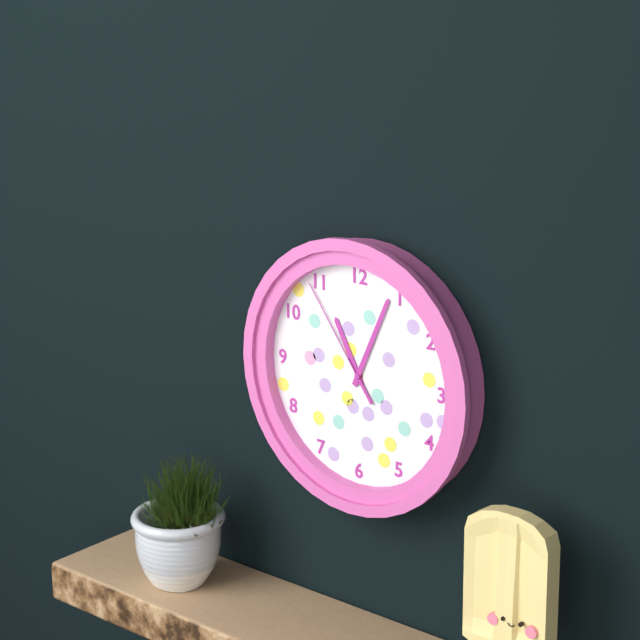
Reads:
11h04m54s
